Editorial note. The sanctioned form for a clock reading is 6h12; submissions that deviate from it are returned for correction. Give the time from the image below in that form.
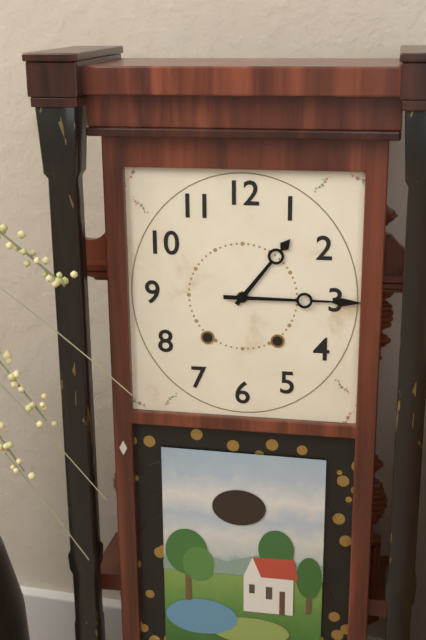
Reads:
1h15
